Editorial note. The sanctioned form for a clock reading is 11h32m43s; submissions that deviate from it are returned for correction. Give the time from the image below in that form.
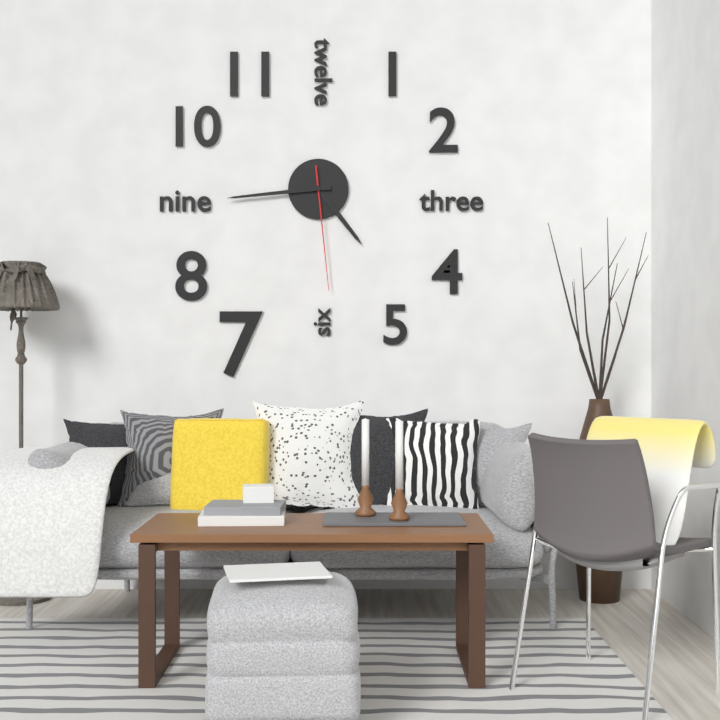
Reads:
4h44m29s
